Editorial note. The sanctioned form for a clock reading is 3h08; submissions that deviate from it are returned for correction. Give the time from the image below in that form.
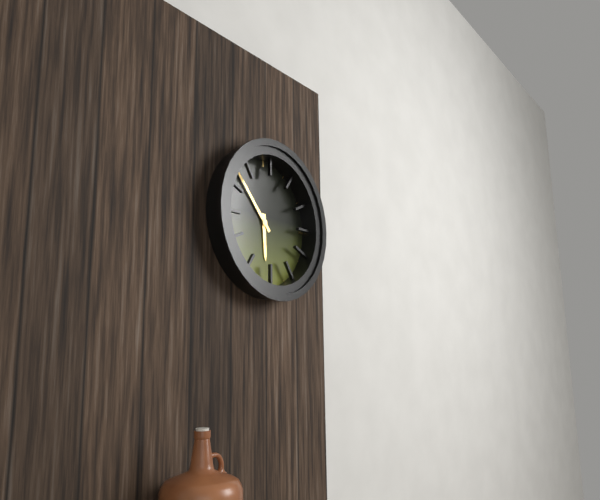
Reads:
5h53
